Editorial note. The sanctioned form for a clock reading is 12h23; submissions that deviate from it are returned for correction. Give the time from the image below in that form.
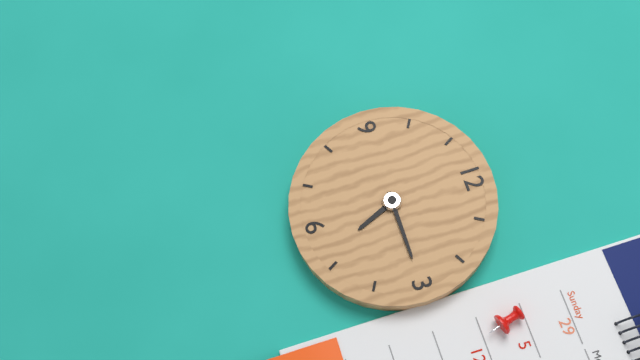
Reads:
5h15
